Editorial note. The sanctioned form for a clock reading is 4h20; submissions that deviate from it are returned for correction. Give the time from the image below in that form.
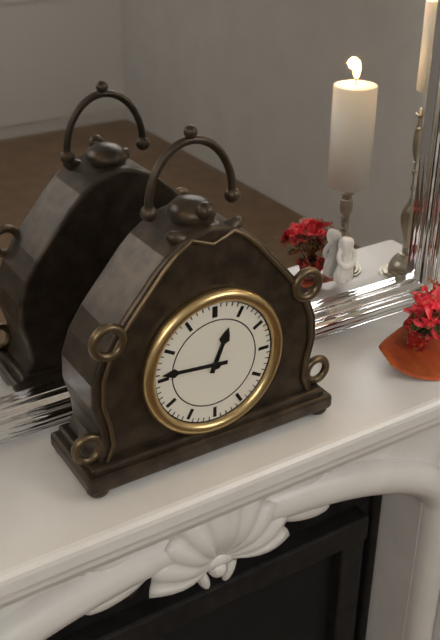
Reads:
12h46
